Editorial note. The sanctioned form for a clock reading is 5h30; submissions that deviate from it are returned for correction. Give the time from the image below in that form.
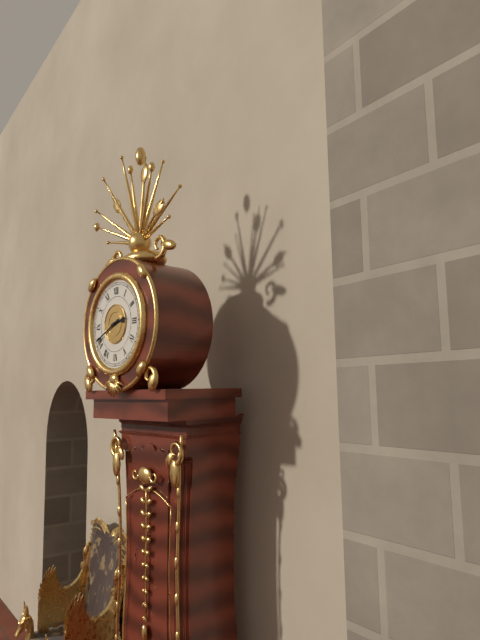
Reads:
2h41
